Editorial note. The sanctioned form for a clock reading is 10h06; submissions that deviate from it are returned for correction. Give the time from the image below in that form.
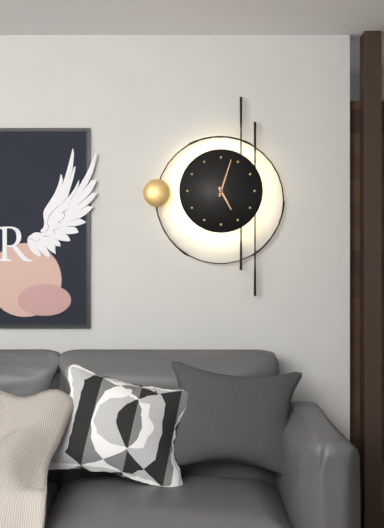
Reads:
5h03
